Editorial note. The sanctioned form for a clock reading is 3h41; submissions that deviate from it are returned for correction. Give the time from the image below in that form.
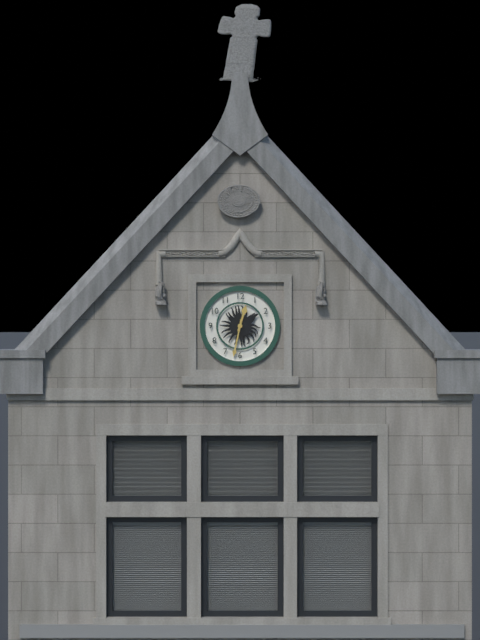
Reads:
12h32
